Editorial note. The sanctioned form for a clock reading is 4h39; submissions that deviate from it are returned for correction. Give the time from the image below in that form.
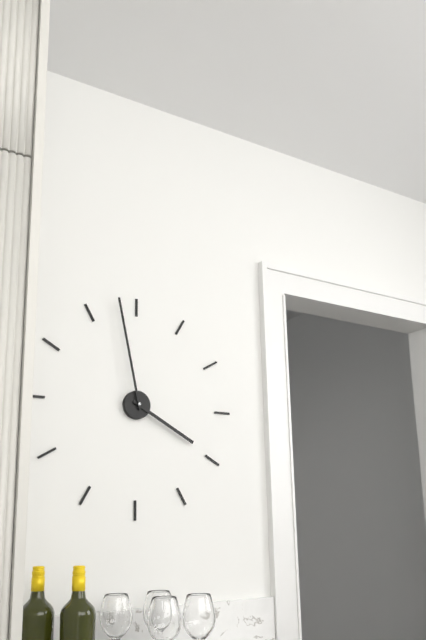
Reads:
3h58
